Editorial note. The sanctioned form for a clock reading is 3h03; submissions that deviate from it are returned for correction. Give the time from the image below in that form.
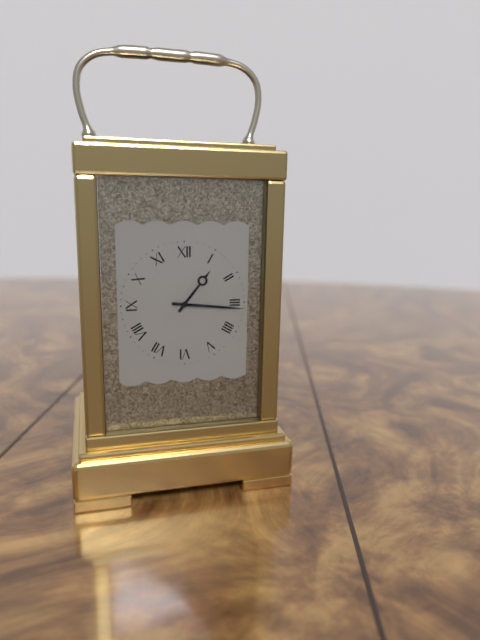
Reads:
1h16
